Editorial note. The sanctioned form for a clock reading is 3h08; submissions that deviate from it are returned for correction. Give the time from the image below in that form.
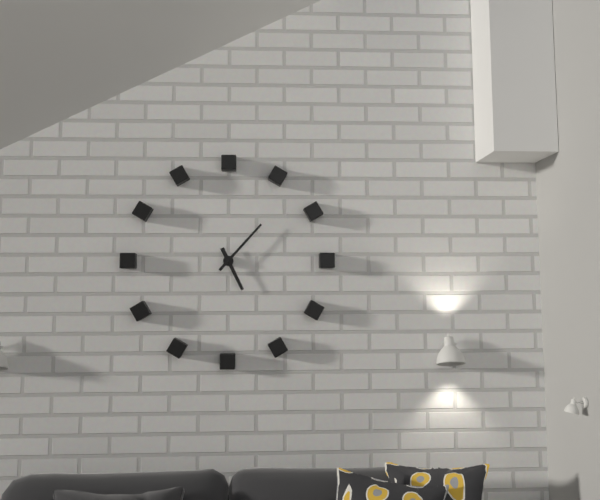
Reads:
5h07
